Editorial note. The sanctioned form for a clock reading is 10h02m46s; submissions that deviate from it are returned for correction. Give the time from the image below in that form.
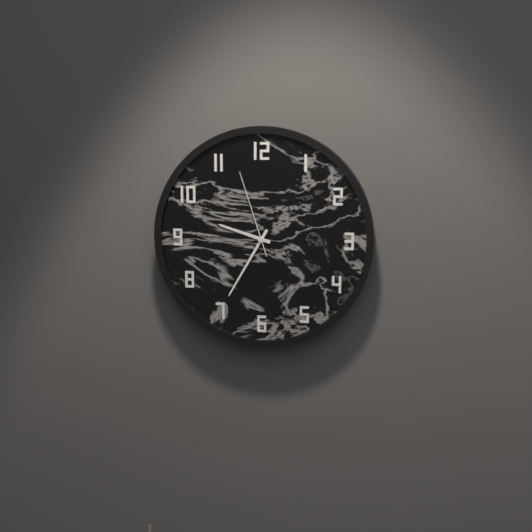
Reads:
9h35m57s
